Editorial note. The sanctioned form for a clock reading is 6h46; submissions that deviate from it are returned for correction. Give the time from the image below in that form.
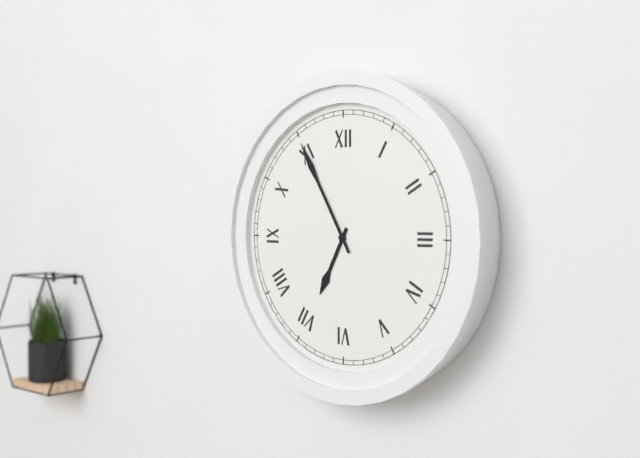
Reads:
6h55
